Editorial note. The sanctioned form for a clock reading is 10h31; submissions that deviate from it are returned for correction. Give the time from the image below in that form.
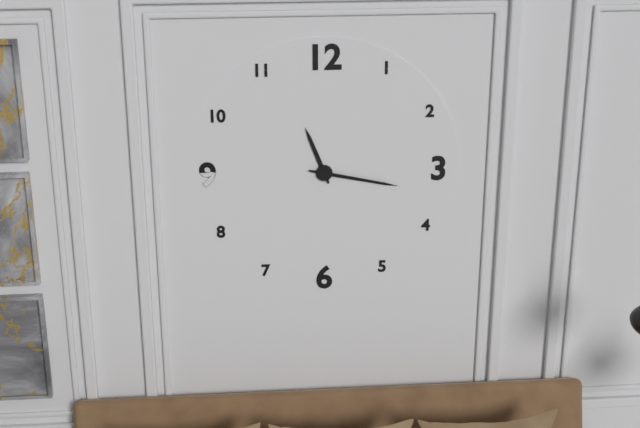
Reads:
11h17
